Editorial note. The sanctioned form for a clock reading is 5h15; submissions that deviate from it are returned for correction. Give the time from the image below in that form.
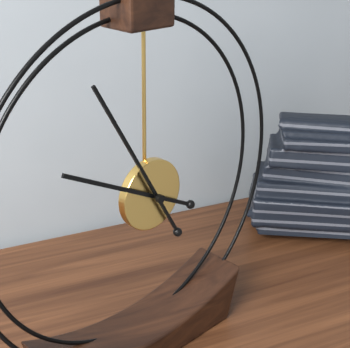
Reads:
9h55
